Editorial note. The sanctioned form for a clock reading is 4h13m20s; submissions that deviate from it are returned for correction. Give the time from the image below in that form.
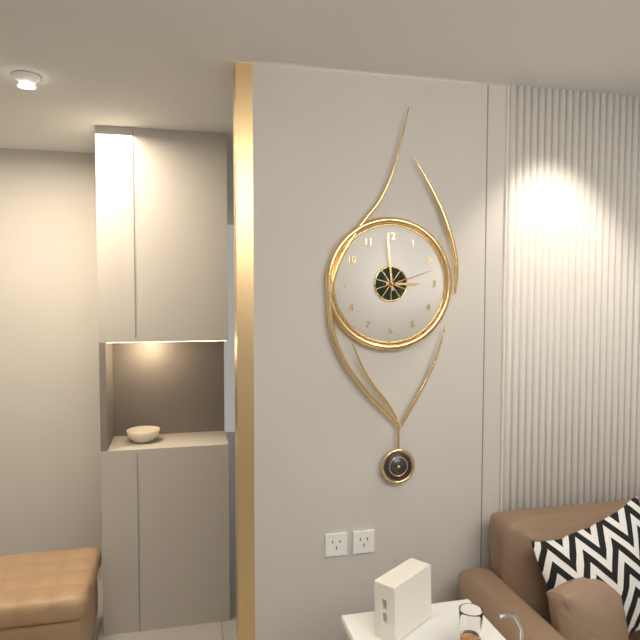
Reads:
2h59m12s
